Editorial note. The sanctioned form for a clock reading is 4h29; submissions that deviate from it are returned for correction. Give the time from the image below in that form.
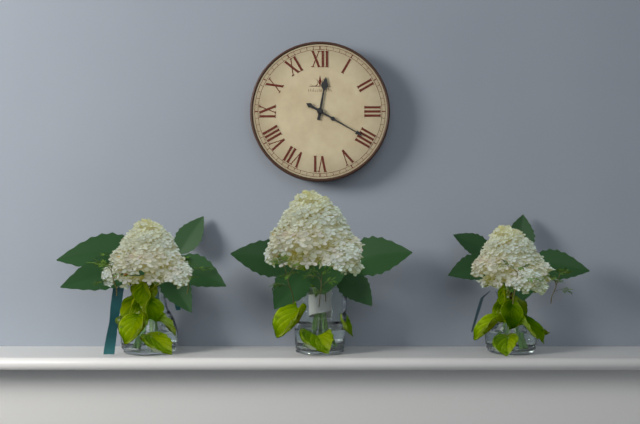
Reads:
12h20
